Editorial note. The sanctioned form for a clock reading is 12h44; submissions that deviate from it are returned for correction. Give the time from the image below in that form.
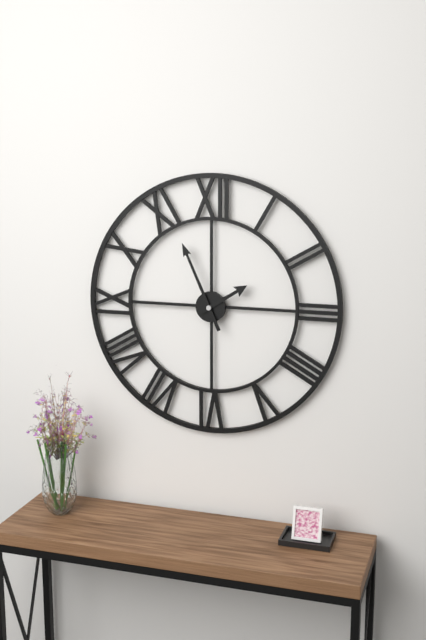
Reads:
1h56
